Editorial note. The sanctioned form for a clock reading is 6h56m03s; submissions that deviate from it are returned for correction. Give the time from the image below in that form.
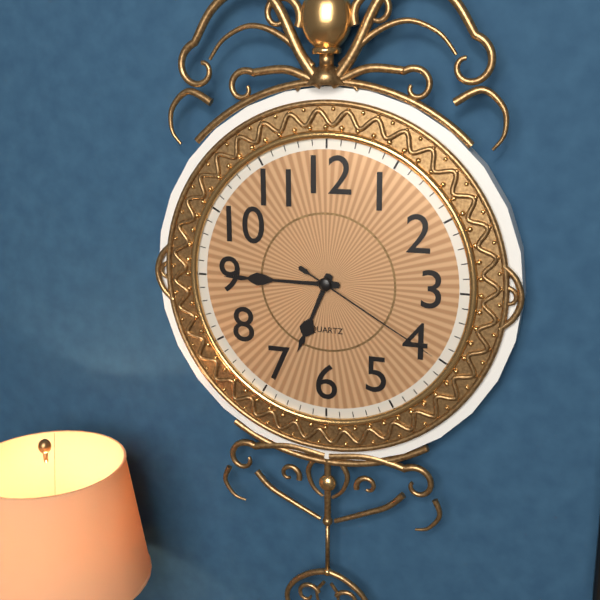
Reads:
6h45m20s
